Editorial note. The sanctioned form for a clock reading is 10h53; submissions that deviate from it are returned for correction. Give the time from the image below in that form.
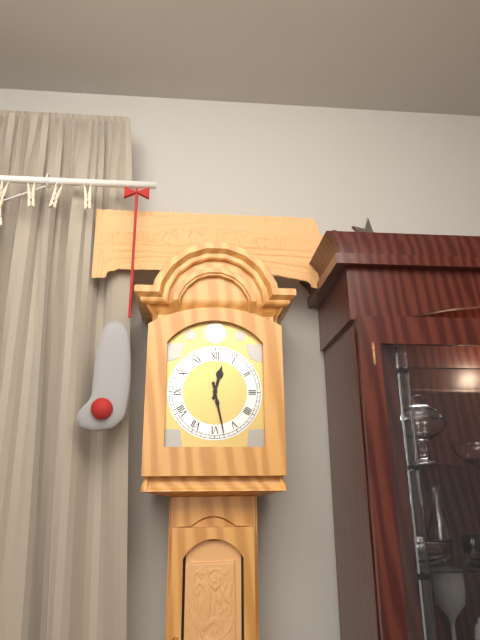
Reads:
12h28
